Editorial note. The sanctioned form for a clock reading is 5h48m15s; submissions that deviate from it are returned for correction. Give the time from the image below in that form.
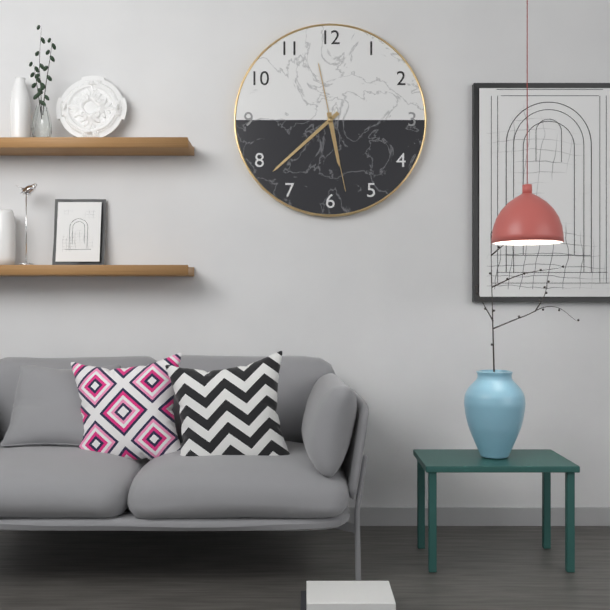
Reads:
5h38m28s
